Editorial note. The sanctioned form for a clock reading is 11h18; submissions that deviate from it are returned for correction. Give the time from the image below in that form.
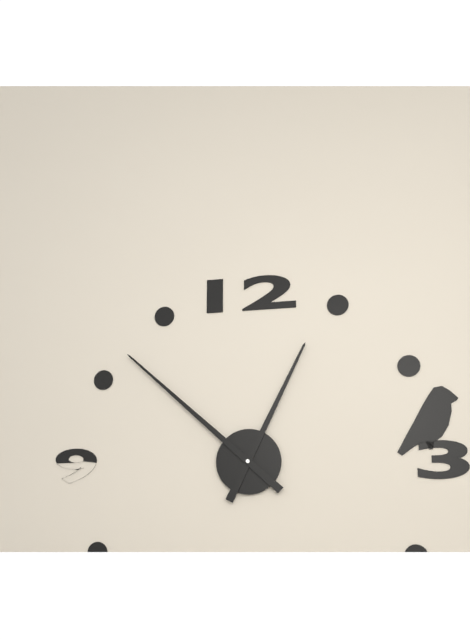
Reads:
12h52
